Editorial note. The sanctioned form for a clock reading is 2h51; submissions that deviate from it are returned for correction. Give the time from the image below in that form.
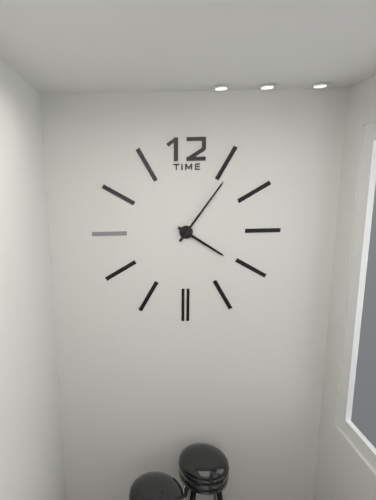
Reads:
4h06
